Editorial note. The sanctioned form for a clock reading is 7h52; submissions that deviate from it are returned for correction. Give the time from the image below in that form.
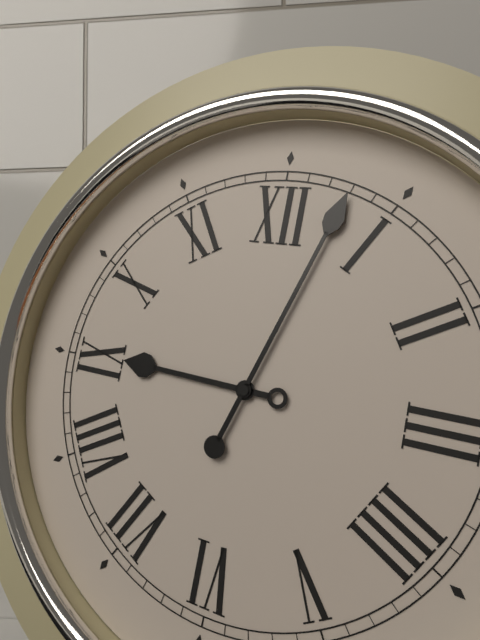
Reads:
9h03
